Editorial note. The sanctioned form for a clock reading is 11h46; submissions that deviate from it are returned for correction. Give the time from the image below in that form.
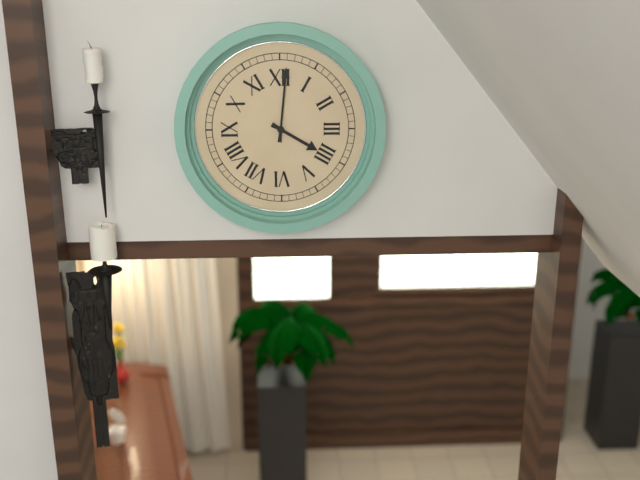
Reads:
4h01
